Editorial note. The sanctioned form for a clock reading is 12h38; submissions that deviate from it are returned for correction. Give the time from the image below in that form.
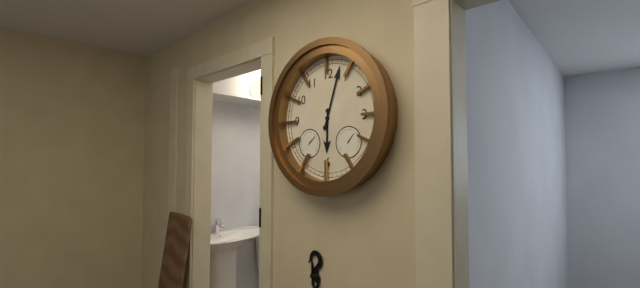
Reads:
6h03
